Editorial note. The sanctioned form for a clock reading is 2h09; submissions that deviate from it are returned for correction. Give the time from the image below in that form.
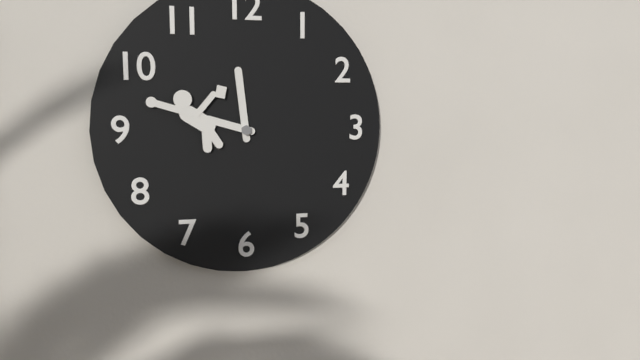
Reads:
11h47
